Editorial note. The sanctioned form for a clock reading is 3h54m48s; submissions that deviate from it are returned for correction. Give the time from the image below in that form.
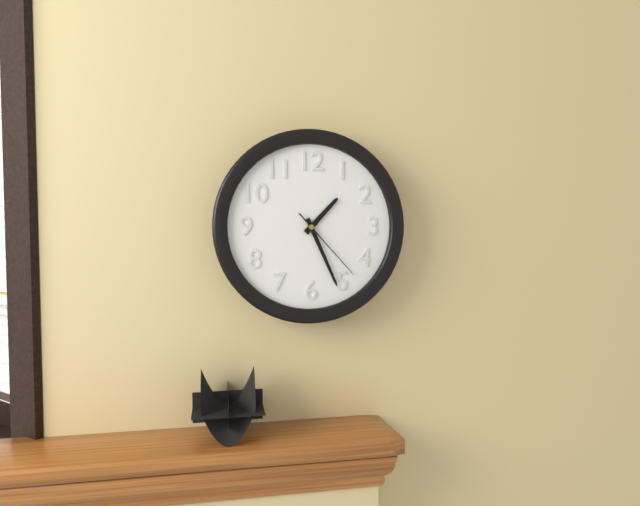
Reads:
1h26m23s
